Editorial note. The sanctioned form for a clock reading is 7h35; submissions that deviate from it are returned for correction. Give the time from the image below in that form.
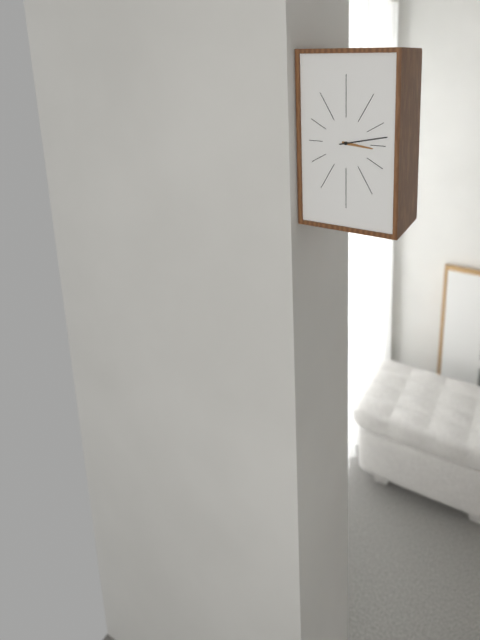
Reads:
3h13
